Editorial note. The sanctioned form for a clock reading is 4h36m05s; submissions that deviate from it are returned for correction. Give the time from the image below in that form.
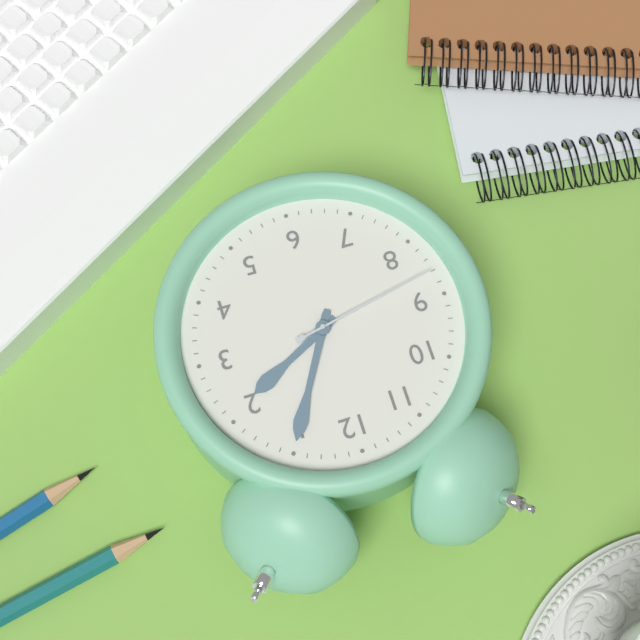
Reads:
2h05m43s
